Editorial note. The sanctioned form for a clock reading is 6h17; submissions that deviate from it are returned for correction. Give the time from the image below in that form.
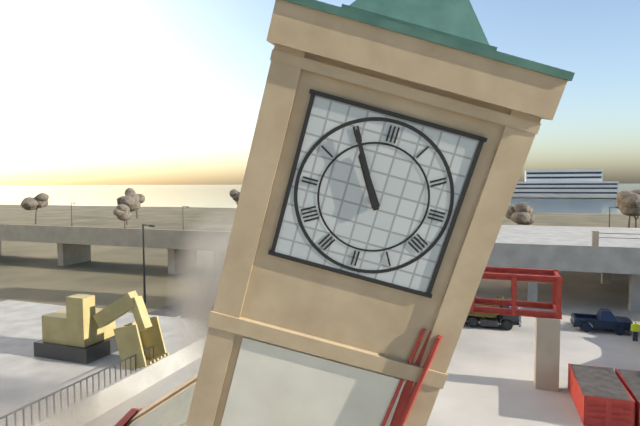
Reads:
10h55
